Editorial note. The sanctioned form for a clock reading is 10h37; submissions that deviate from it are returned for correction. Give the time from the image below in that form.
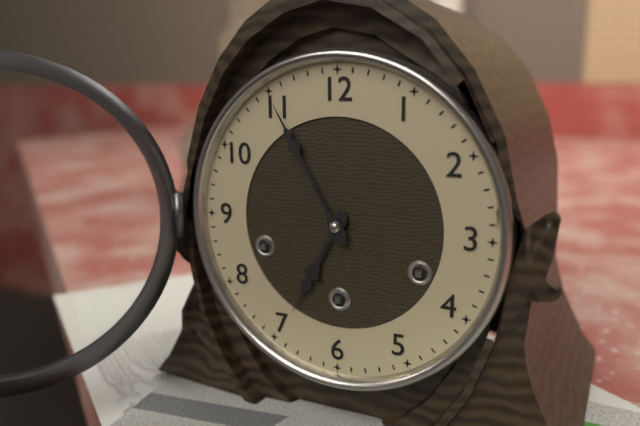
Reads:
6h55
